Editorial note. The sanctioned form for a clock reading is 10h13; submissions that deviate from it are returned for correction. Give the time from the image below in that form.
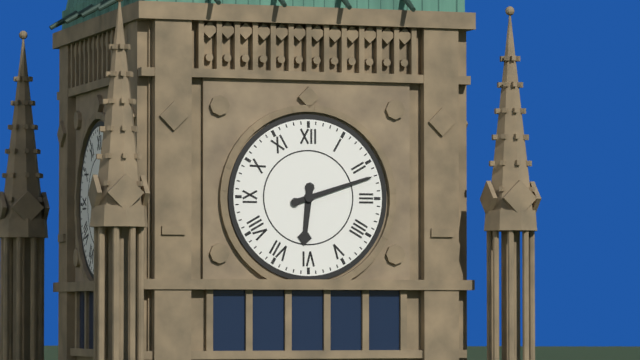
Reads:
6h12
